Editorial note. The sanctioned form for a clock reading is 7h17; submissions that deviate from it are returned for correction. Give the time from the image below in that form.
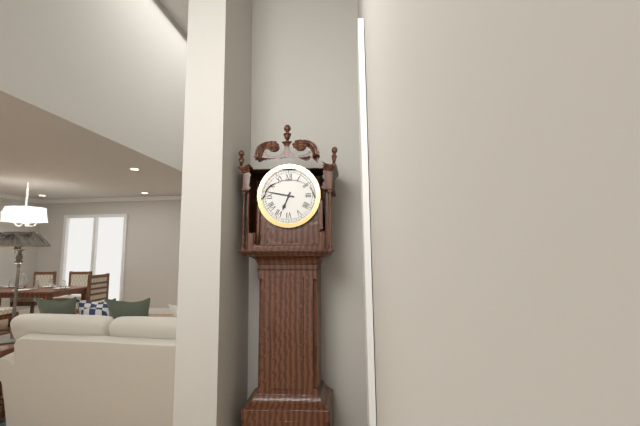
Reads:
6h47
